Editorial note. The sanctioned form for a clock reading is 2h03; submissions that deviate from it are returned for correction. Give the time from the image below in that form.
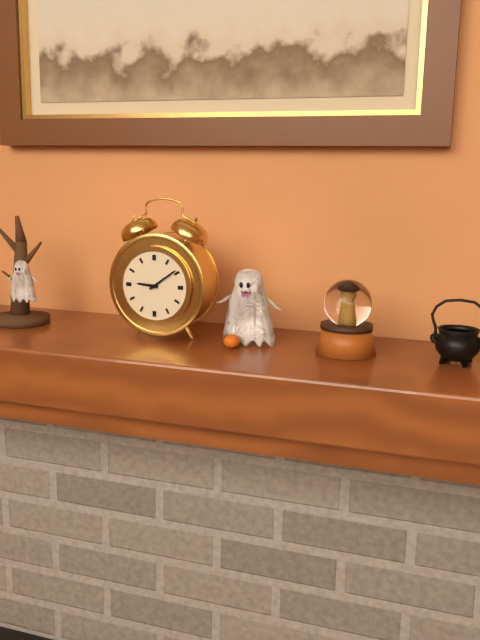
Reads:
9h09
